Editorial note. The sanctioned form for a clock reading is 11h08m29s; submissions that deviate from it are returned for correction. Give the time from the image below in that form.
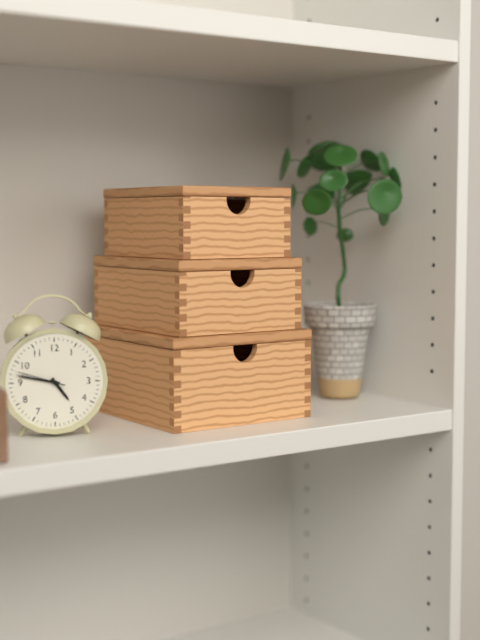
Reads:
4h47m48s
